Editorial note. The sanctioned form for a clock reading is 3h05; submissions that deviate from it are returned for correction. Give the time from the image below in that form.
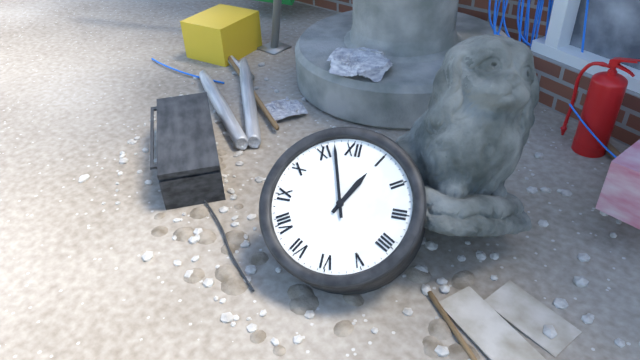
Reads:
12h57
